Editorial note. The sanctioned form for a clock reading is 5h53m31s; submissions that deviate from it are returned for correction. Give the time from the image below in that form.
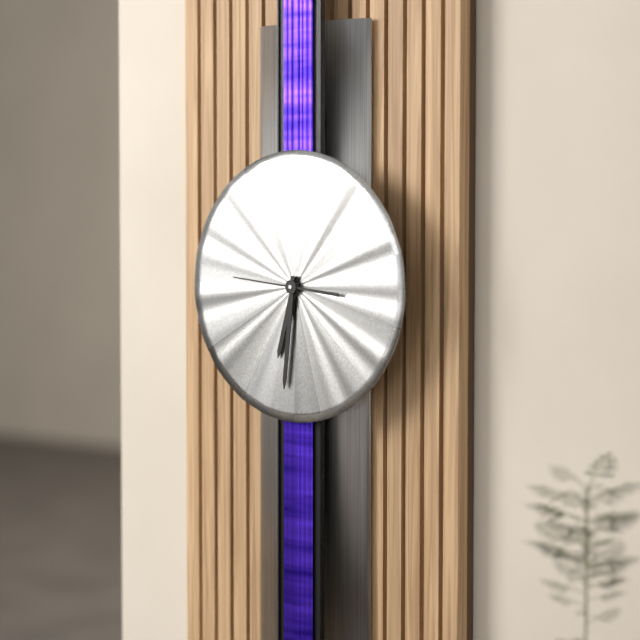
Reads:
6h31m46s
